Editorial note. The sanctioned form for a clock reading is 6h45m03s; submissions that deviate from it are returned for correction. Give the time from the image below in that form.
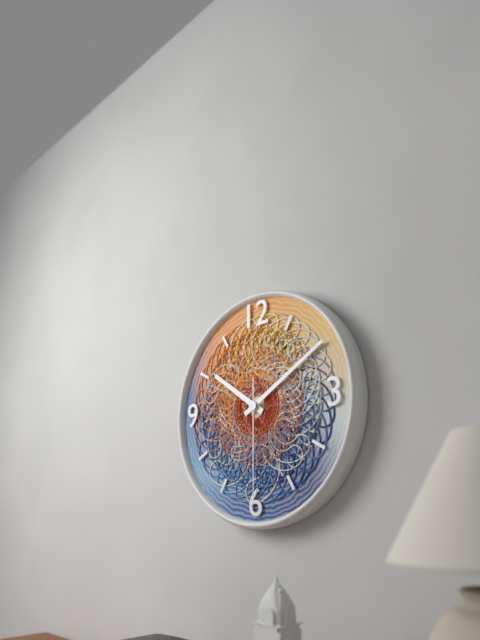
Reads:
10h10m30s
